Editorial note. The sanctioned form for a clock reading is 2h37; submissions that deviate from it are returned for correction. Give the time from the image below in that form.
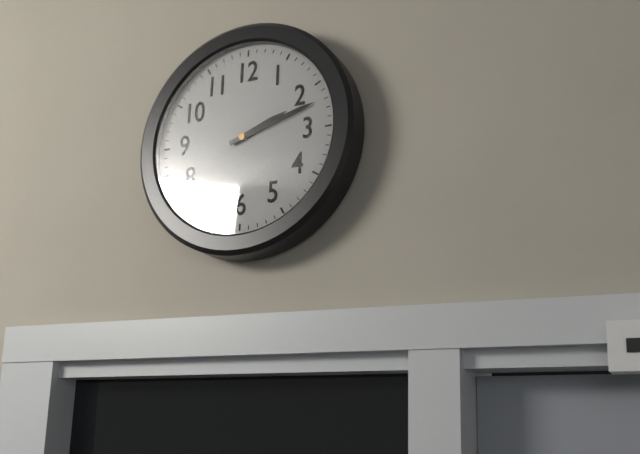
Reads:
2h12
